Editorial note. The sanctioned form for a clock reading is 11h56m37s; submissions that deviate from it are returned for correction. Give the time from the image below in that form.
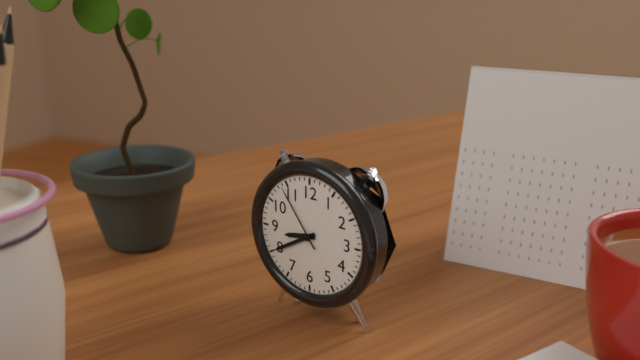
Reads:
8h40m54s
